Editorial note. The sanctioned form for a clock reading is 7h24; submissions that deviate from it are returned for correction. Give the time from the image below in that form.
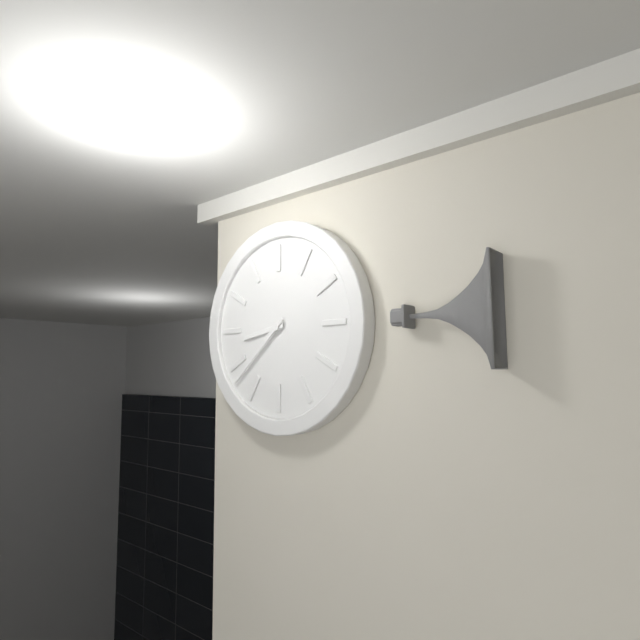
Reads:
8h38
